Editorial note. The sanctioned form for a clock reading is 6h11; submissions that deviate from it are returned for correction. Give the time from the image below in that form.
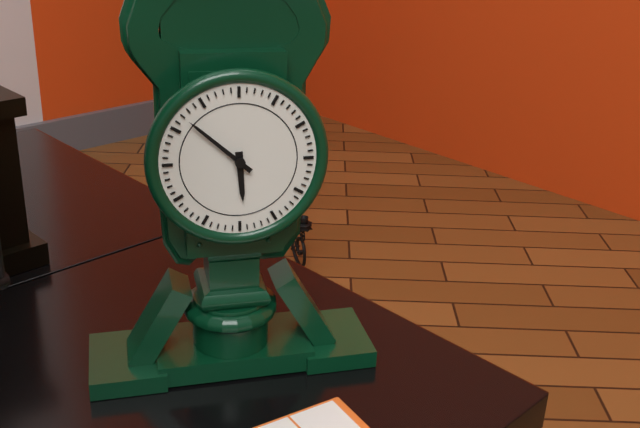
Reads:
5h52
